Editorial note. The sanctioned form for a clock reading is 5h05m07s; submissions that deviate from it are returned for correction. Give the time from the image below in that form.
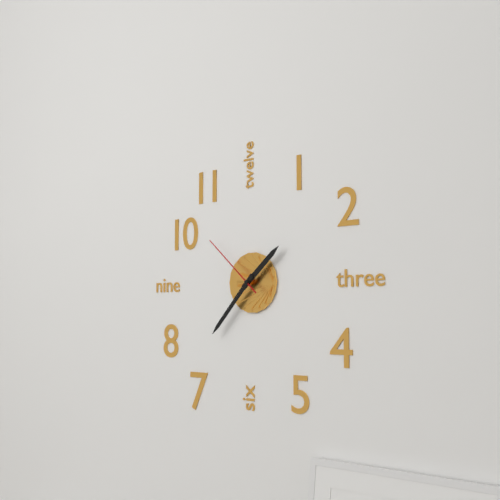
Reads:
1h37m52s
